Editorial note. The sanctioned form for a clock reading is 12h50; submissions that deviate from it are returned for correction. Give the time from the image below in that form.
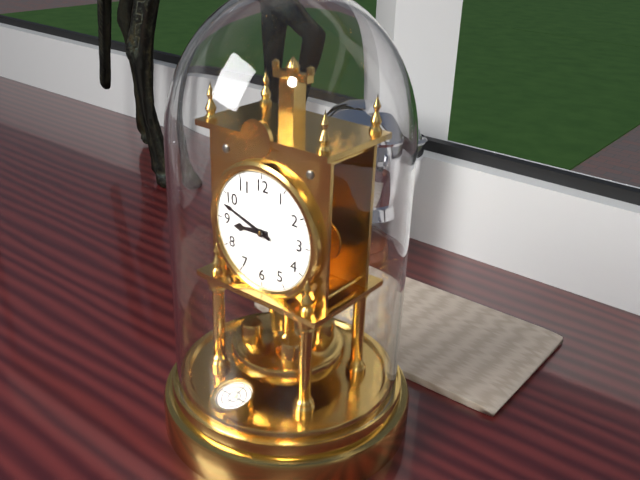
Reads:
8h48
